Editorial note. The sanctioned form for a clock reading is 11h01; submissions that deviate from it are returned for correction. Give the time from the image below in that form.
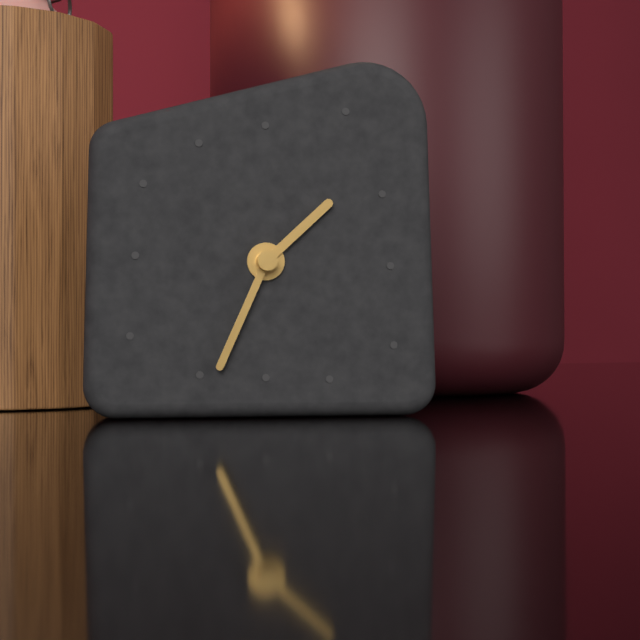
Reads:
1h34
